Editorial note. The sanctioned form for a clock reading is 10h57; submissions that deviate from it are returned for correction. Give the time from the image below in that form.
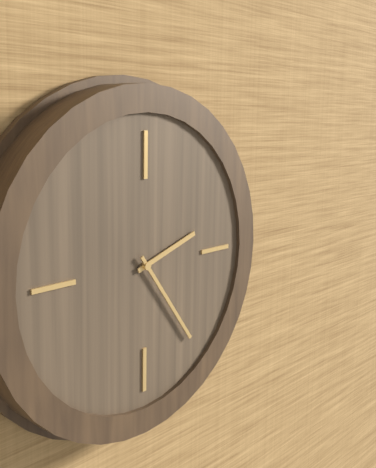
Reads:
2h24
